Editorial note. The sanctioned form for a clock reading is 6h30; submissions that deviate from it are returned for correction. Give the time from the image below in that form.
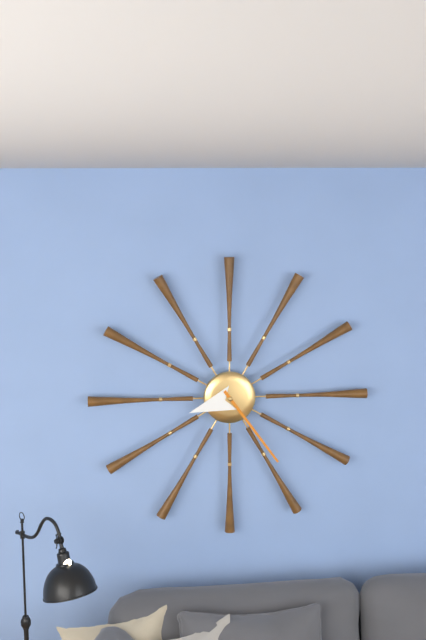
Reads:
8h24
